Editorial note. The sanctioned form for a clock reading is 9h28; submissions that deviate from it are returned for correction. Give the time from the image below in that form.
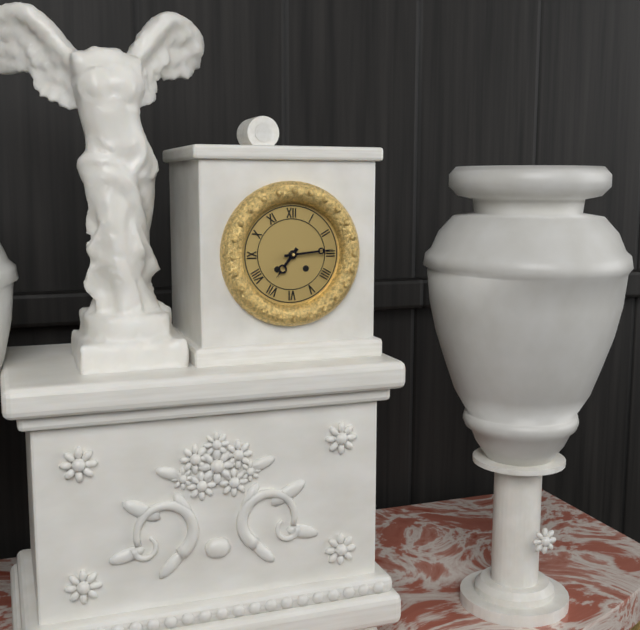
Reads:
7h14
